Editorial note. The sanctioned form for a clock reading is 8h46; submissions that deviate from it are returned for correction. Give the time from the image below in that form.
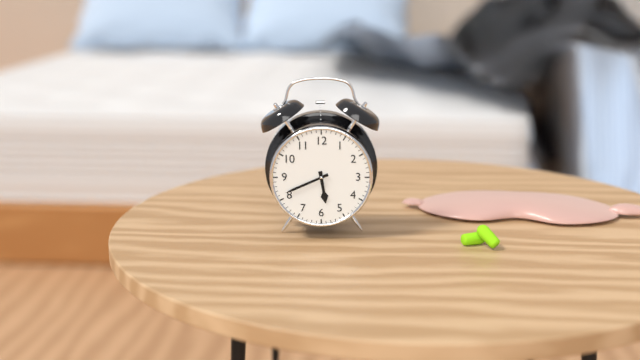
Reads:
5h41
